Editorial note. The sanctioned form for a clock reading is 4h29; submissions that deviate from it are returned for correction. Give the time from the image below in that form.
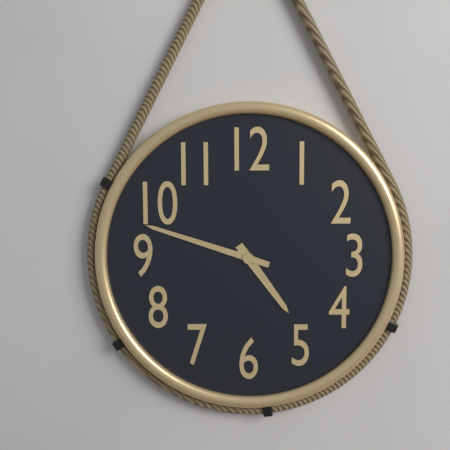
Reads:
4h48
